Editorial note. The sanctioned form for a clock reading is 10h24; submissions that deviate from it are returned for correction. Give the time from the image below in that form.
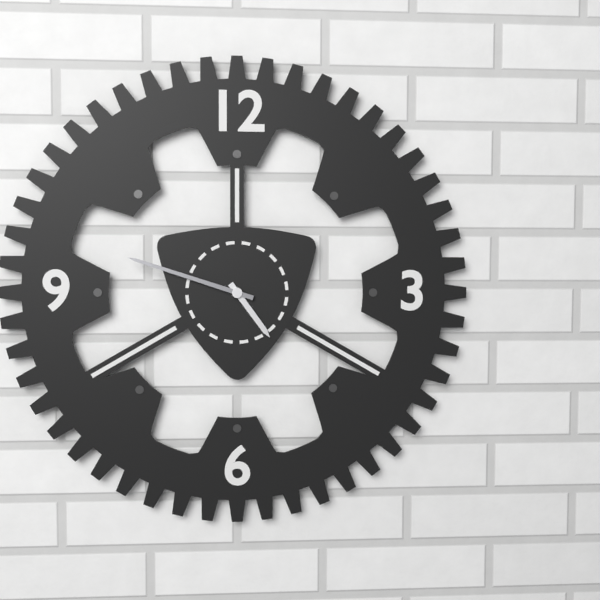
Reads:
4h48
